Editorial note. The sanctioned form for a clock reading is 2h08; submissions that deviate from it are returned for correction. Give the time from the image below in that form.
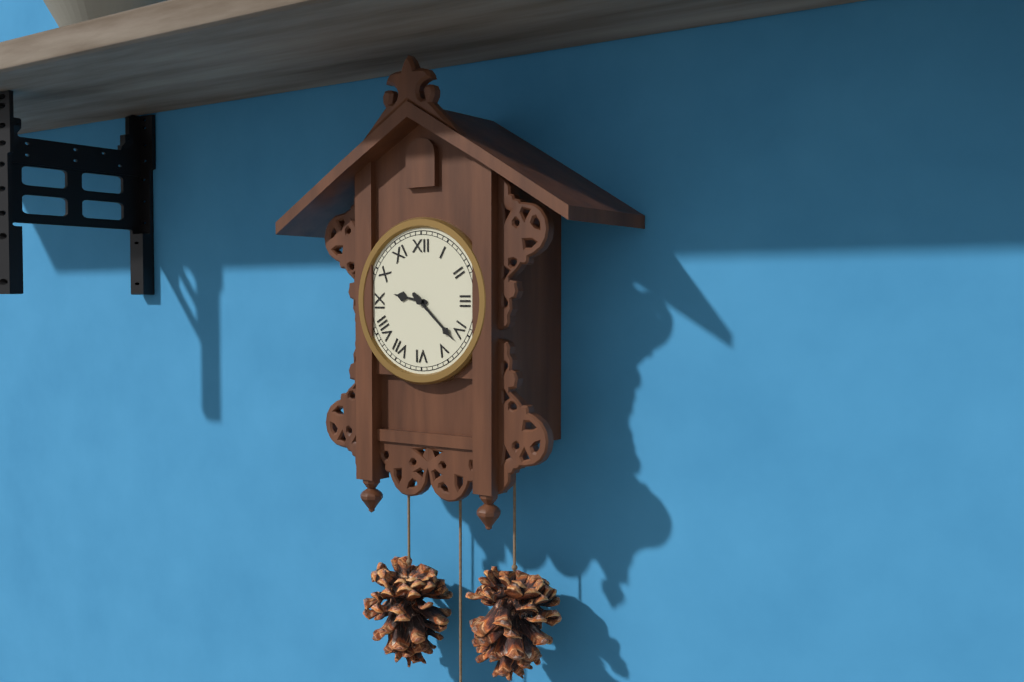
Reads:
9h22
